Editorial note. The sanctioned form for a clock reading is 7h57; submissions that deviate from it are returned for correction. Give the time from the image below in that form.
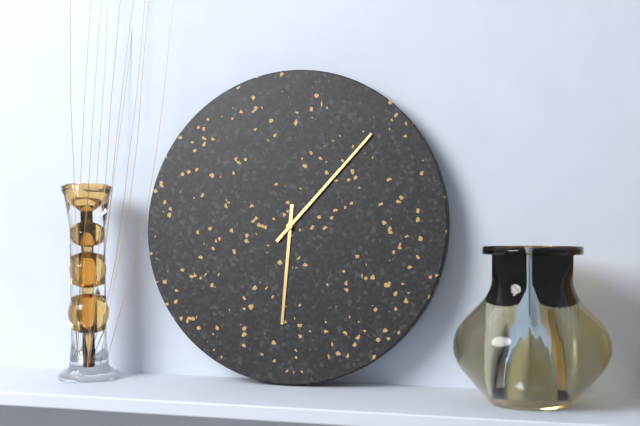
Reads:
6h07
